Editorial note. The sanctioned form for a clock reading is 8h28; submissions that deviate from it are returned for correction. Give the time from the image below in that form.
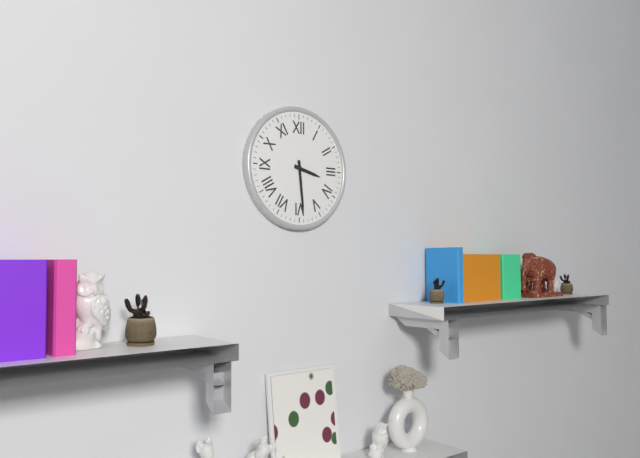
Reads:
3h29
